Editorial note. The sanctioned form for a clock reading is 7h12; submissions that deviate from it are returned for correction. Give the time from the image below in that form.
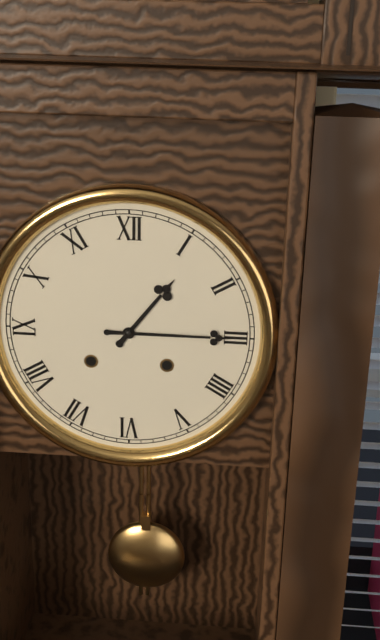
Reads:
1h15
